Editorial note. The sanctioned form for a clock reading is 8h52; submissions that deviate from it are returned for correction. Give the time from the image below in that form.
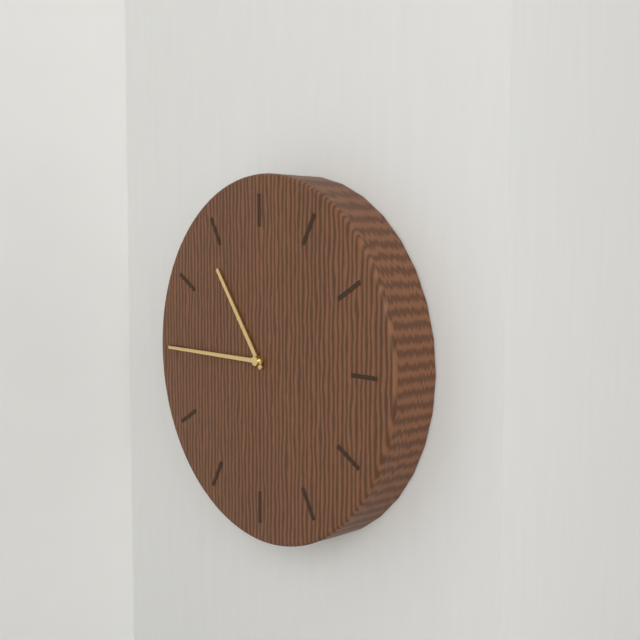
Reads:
10h45
